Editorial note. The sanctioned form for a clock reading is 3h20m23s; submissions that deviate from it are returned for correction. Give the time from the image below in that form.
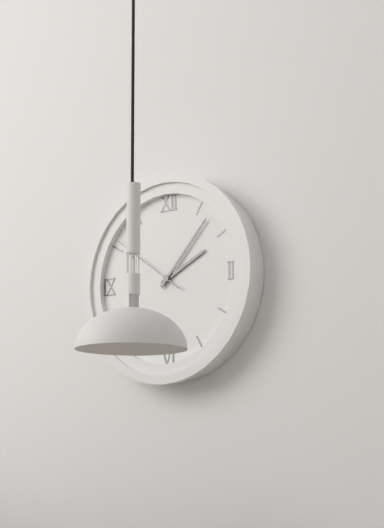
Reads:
2h07m51s
